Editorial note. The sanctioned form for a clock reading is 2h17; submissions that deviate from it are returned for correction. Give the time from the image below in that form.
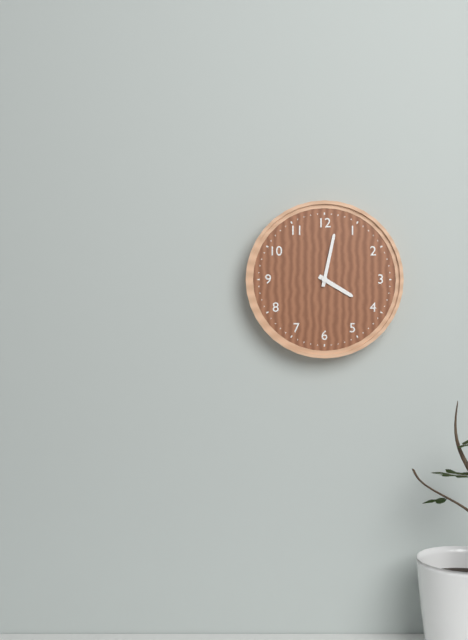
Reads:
4h02
